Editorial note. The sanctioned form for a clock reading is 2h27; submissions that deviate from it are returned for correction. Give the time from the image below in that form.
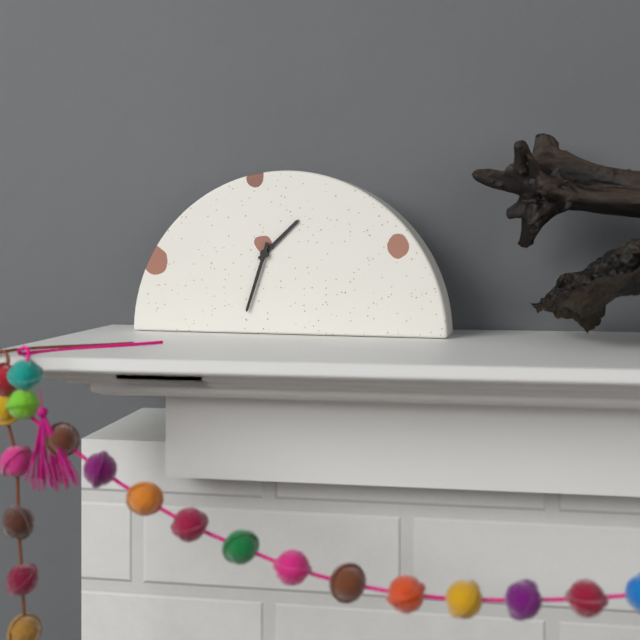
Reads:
1h33
